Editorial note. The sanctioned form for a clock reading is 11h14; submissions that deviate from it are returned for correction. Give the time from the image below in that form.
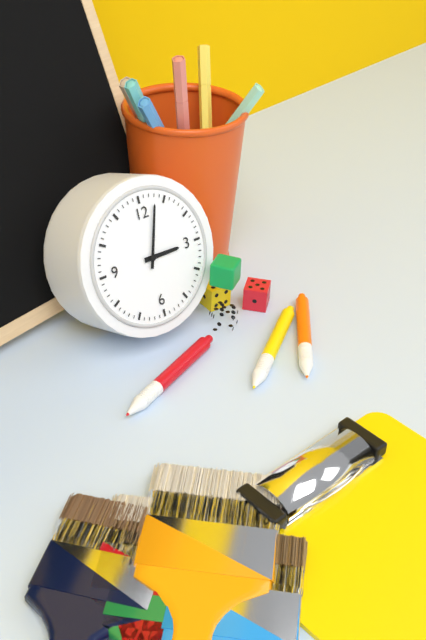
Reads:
3h03
